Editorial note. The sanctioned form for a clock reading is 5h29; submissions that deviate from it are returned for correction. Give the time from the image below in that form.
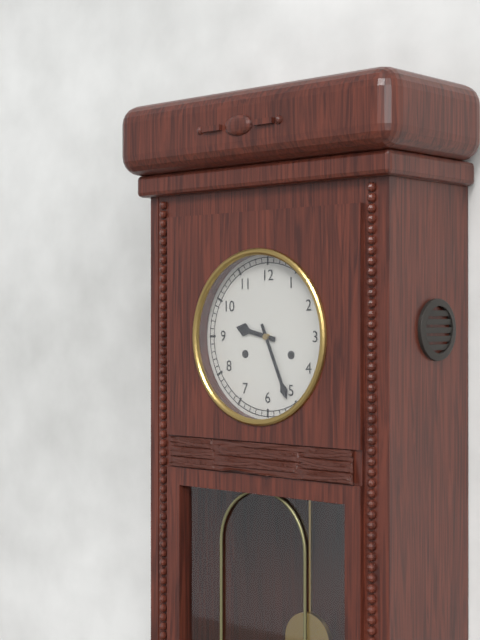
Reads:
9h26
